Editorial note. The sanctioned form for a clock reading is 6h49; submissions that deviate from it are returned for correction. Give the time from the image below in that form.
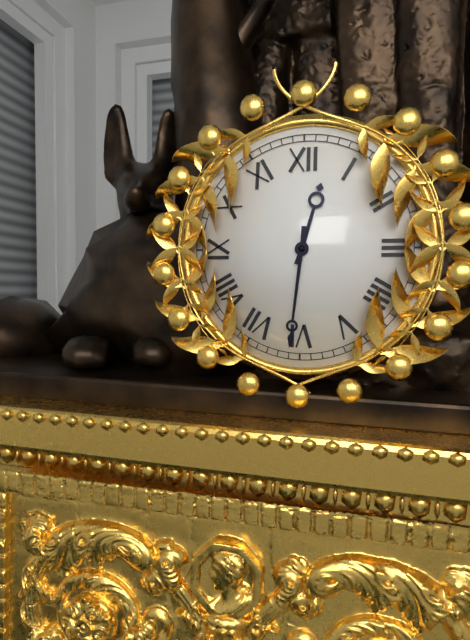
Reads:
12h31
